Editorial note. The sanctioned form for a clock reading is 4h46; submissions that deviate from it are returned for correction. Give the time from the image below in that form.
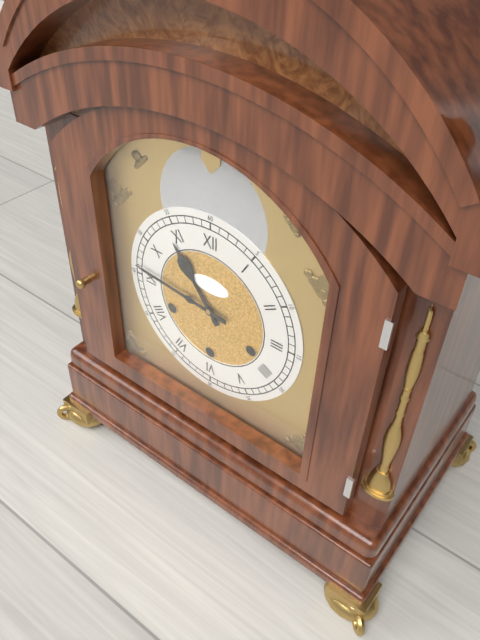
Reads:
10h46
